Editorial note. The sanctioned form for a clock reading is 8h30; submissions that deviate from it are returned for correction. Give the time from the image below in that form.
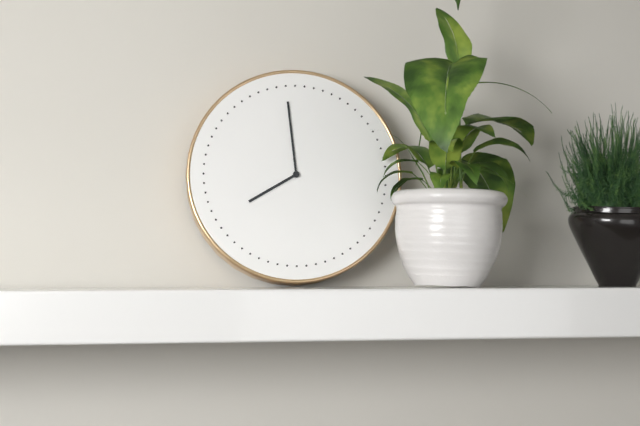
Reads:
7h59
